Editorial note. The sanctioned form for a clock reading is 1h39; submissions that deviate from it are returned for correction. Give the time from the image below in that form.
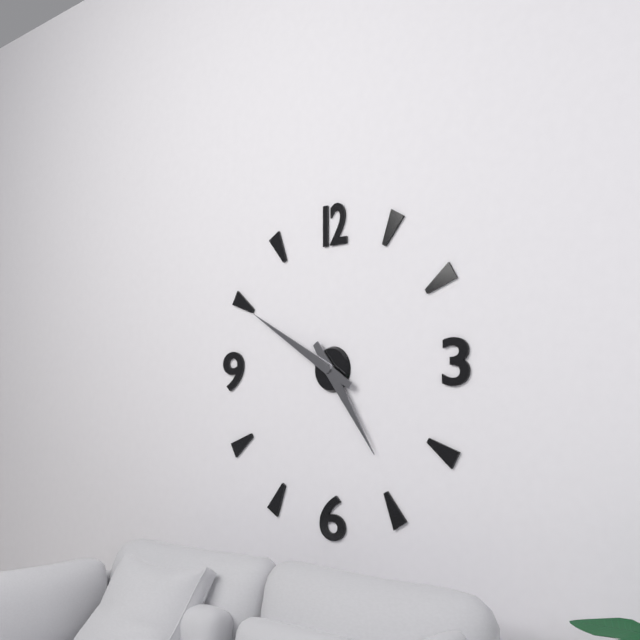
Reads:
4h50
